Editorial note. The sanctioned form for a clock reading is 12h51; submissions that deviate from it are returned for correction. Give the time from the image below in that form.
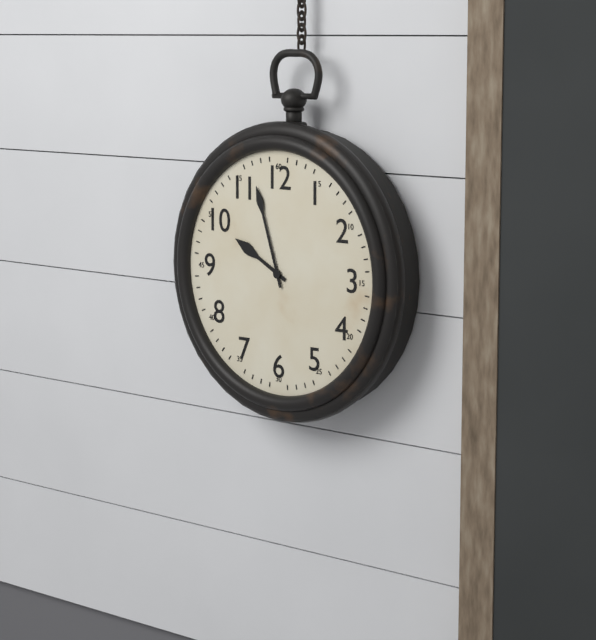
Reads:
9h57
